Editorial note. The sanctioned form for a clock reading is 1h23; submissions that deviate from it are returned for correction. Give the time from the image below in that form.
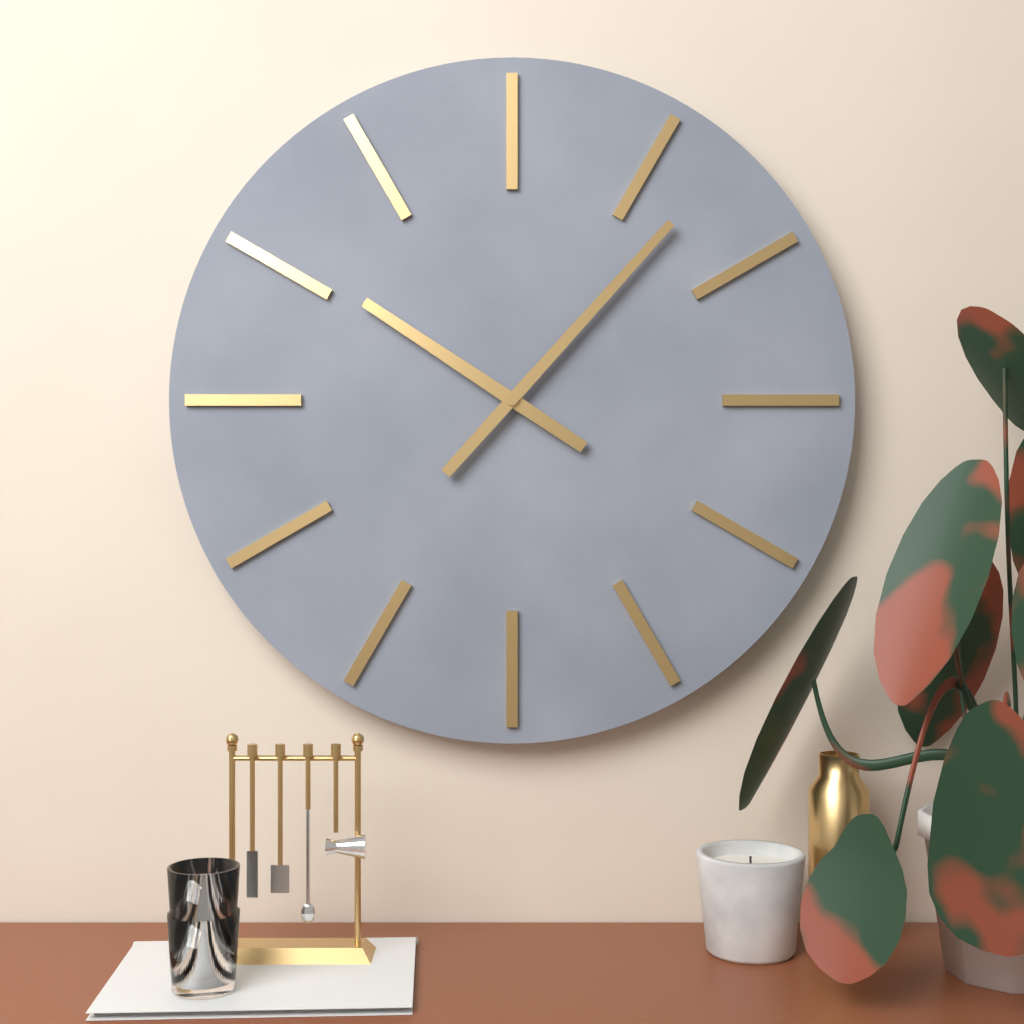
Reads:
10h07
